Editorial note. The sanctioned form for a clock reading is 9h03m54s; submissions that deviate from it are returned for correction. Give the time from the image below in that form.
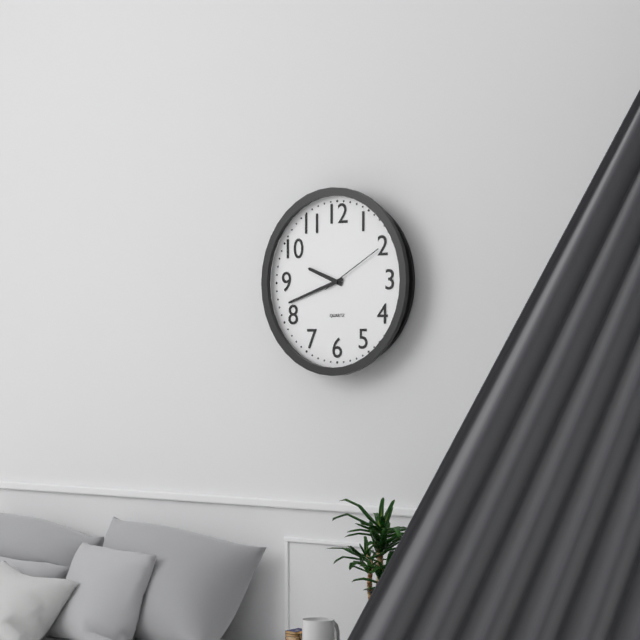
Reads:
9h42m10s
